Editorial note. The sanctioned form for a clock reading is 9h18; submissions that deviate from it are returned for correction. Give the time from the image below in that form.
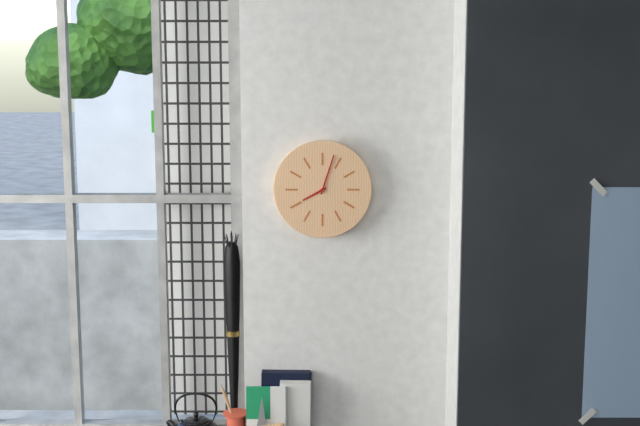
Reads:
8h03
